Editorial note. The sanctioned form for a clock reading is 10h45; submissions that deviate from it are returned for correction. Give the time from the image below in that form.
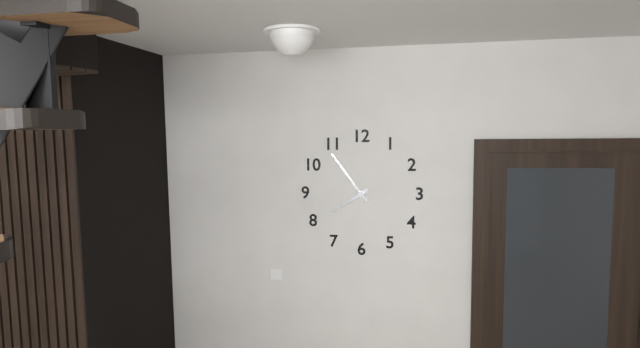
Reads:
7h54
